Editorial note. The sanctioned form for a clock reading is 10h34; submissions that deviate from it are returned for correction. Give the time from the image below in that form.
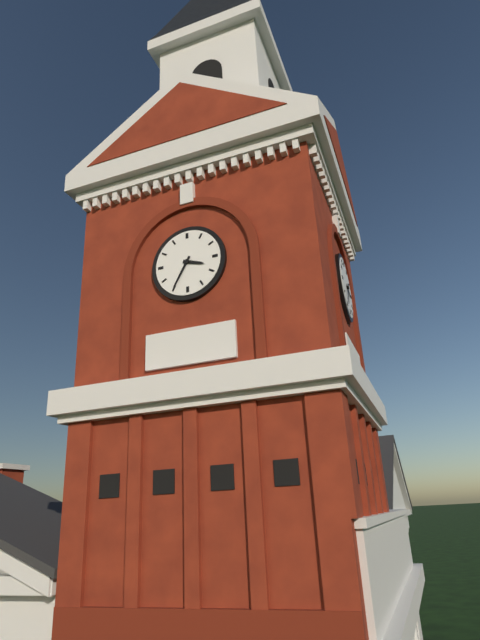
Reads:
3h35
